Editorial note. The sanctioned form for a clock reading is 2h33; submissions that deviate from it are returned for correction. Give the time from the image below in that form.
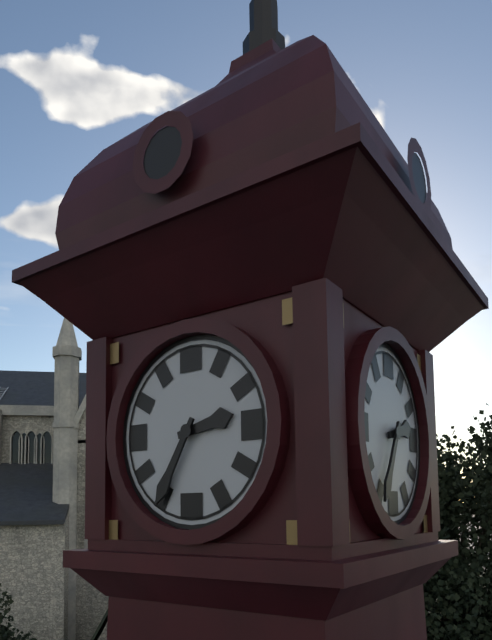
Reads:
2h35
